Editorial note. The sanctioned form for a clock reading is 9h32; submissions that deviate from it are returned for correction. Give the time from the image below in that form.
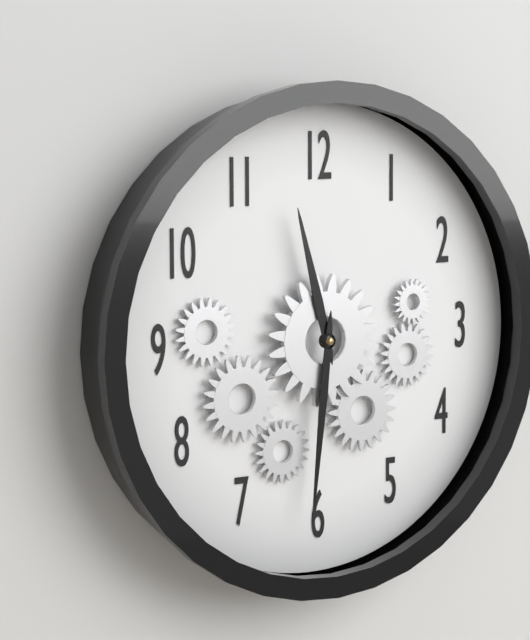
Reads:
11h31
